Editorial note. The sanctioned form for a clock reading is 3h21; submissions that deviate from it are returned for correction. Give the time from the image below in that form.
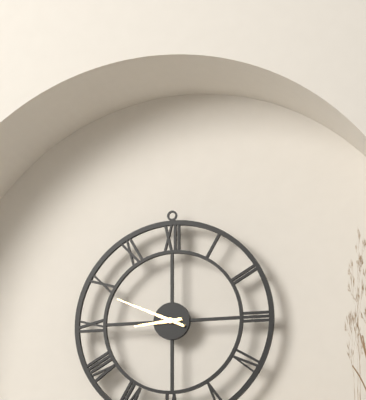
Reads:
8h49
